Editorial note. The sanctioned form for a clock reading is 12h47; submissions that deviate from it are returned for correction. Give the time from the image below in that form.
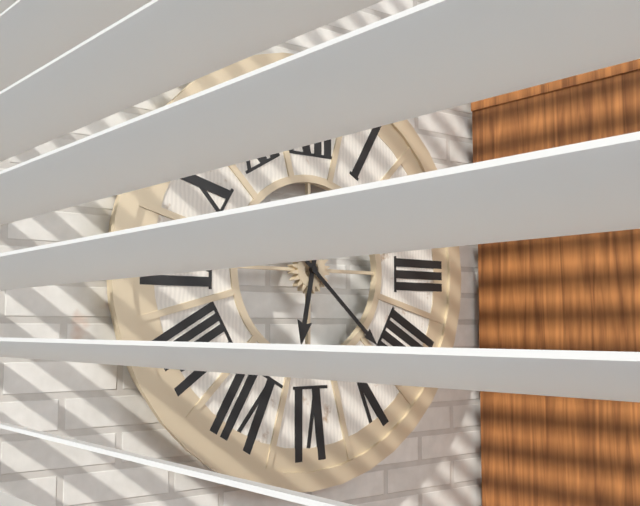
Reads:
6h22
